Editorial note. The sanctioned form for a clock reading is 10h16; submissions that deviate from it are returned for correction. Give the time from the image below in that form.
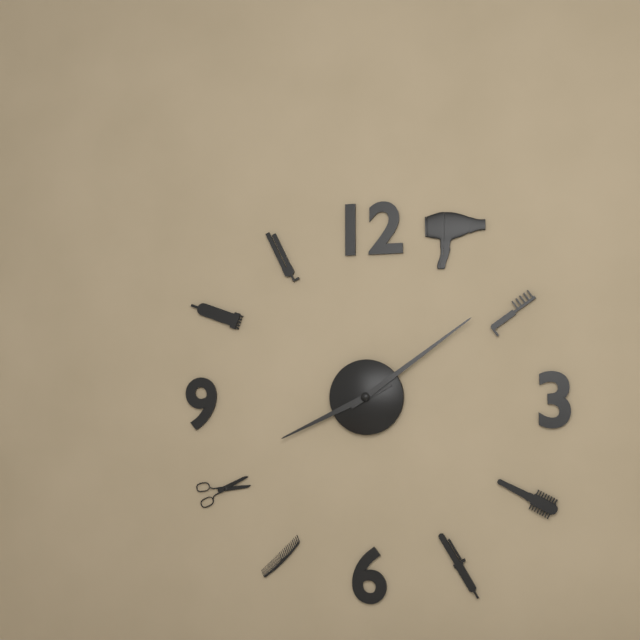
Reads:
8h09
